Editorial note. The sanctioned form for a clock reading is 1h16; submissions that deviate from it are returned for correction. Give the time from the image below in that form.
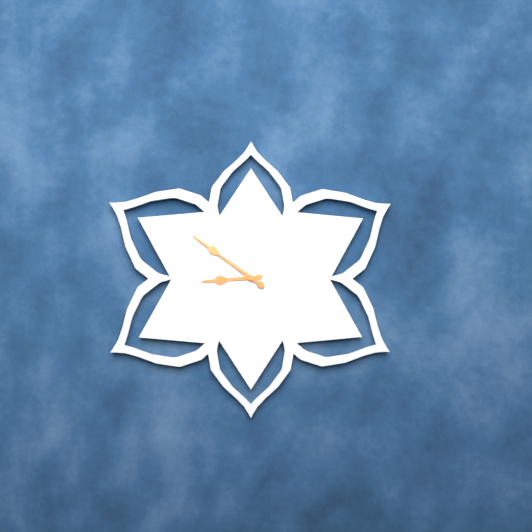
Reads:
8h51
